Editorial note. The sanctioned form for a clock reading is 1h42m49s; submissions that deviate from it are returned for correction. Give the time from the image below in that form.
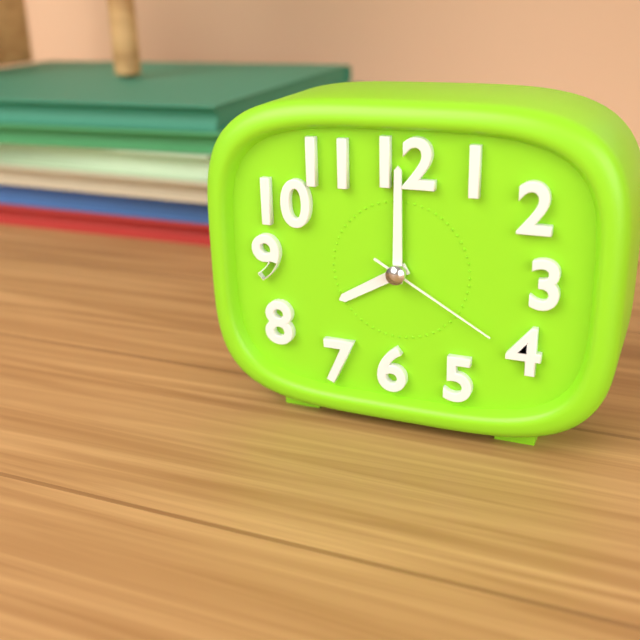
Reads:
8h00m20s
